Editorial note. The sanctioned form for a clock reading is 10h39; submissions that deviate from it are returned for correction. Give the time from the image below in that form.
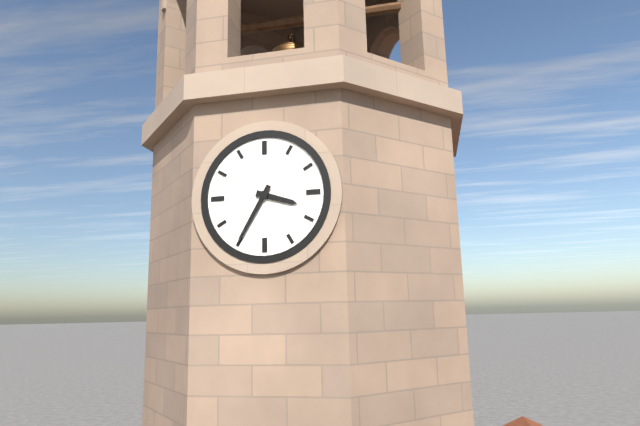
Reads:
3h35
